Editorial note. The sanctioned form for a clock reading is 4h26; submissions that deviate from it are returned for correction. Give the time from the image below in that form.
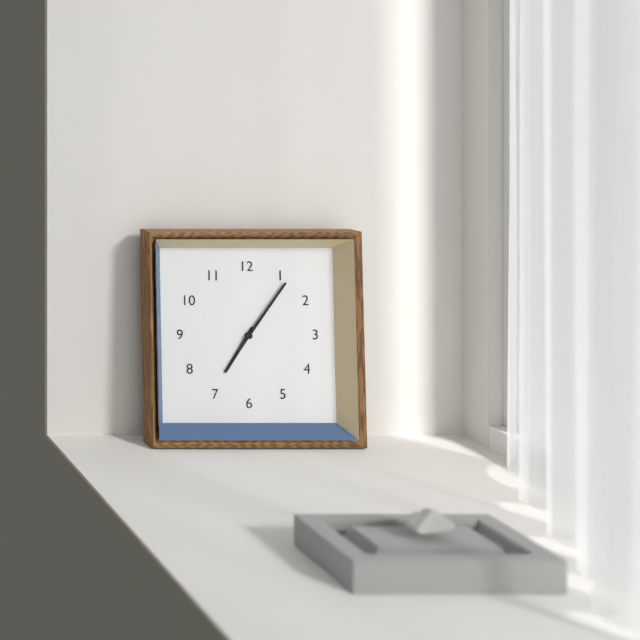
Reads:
7h06
